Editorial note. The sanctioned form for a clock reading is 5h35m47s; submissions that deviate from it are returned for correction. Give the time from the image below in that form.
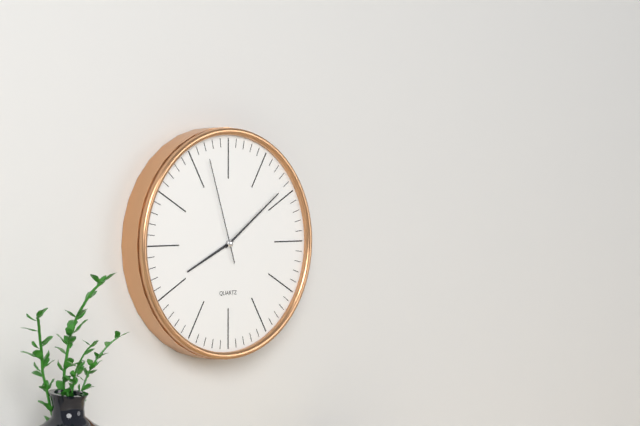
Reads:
8h09m57s
